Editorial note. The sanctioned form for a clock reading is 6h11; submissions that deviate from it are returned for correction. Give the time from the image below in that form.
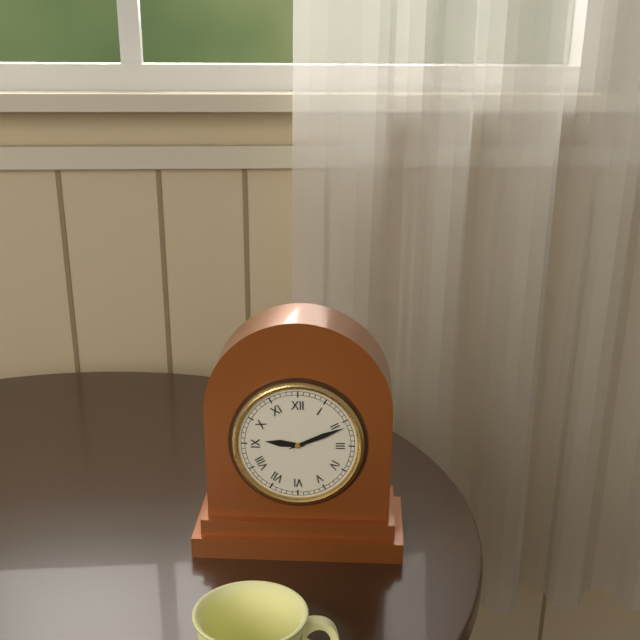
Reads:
9h11
